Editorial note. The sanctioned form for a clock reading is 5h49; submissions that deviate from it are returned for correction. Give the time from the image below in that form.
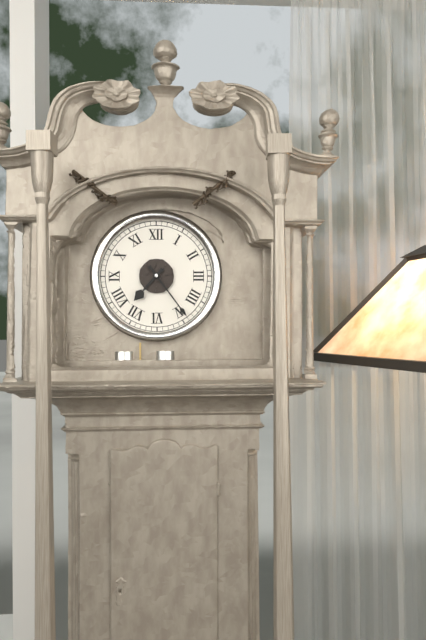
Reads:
7h24
